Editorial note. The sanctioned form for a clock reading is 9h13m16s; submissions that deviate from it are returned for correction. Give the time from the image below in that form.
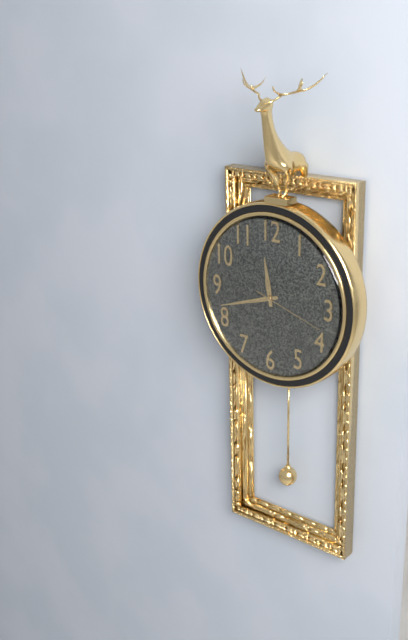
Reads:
11h42m18s
